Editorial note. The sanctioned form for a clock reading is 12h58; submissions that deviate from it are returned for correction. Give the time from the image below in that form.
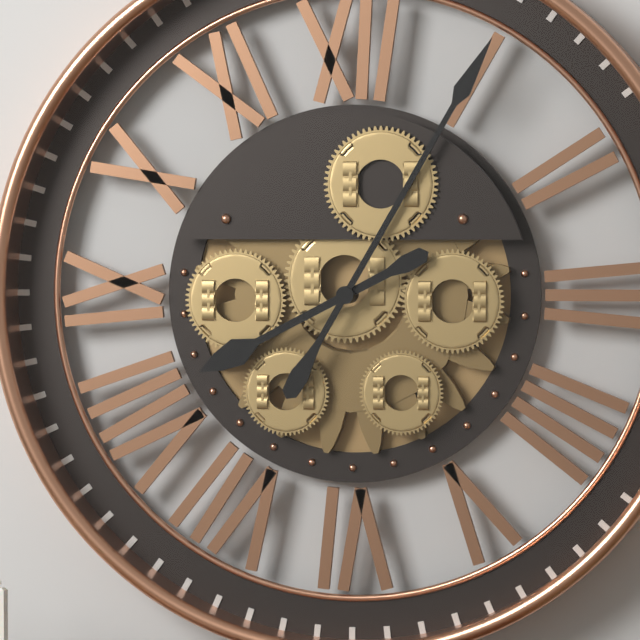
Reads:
8h05
